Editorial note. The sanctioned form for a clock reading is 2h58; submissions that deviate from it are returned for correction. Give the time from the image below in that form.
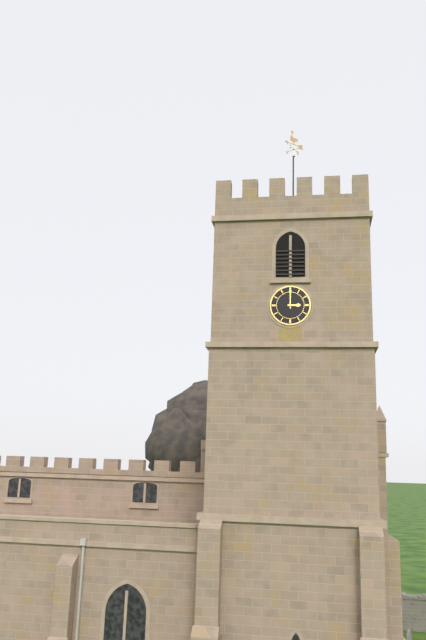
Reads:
3h00
